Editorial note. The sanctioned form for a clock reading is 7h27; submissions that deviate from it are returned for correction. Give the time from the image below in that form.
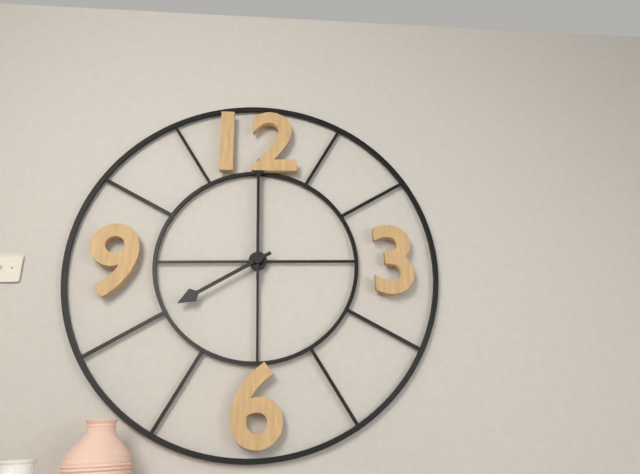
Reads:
8h00
